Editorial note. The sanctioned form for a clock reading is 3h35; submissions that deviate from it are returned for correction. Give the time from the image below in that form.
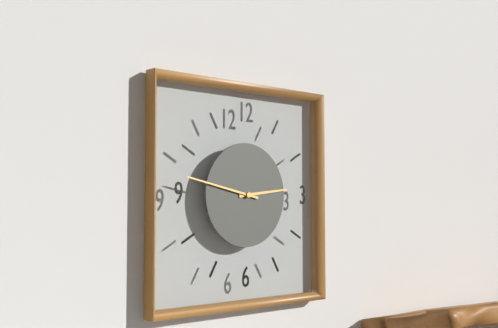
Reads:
2h47
